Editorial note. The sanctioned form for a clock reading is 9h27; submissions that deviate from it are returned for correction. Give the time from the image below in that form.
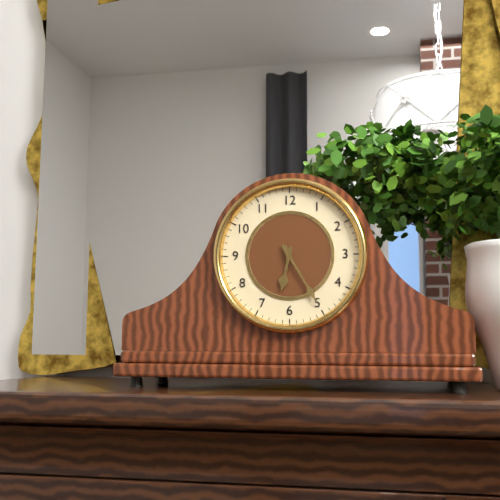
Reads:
6h25
